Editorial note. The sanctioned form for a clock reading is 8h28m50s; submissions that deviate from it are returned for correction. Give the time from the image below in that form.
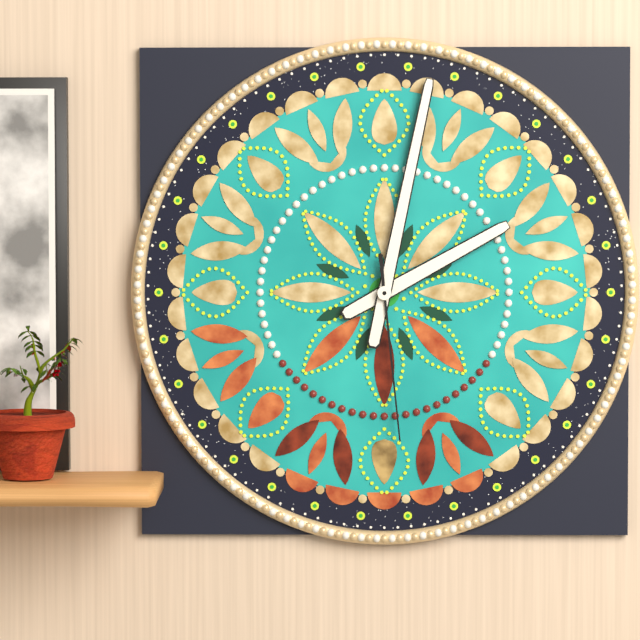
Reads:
2h02m29s
